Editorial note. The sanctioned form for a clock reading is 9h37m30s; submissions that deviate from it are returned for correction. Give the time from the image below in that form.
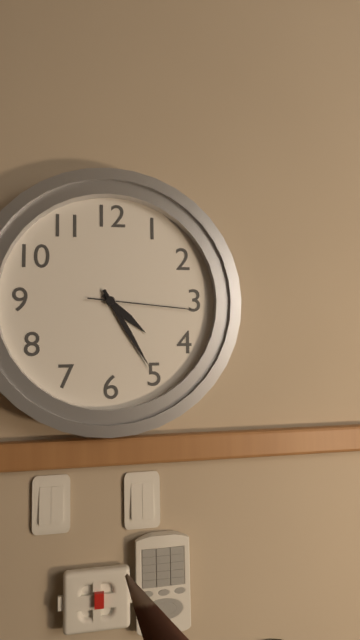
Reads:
4h25m16s
